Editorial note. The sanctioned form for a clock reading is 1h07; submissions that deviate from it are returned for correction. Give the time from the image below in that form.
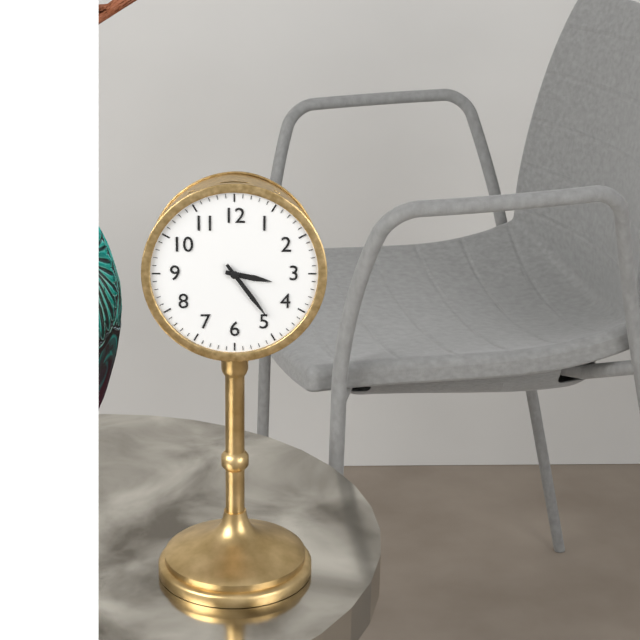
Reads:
3h24
